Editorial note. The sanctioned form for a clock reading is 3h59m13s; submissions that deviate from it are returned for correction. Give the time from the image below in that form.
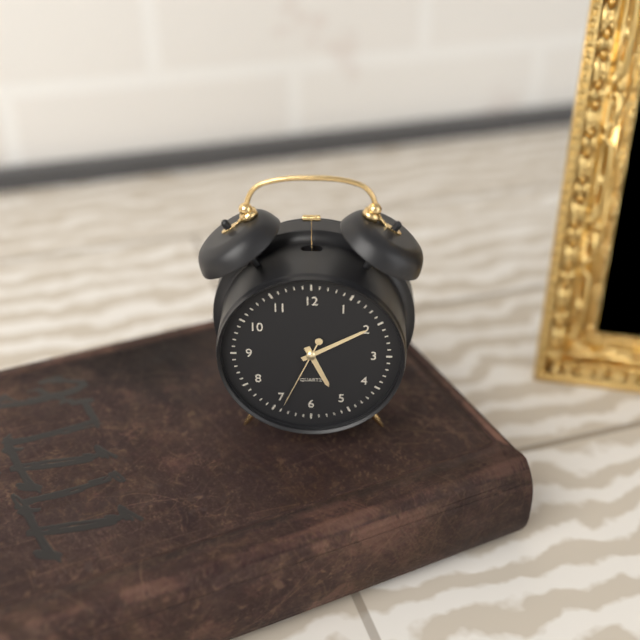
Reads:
5h10m34s
